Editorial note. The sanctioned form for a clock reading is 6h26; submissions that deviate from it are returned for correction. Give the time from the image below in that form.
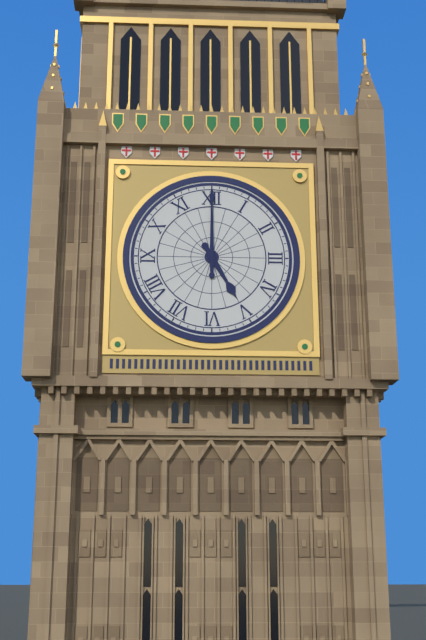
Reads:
5h00
